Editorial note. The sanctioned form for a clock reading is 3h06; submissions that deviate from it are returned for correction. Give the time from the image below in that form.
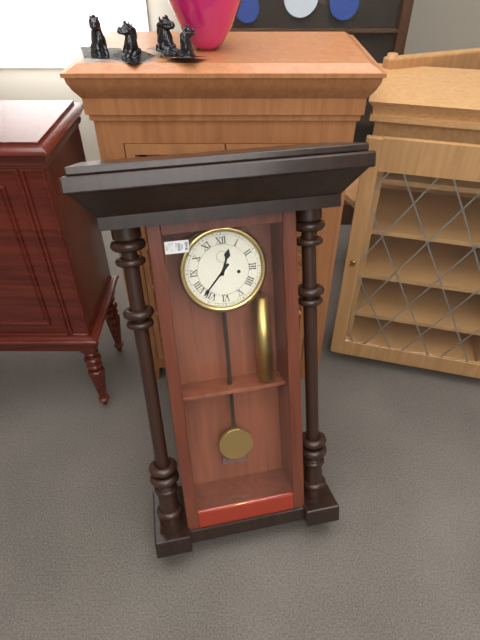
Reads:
12h37
